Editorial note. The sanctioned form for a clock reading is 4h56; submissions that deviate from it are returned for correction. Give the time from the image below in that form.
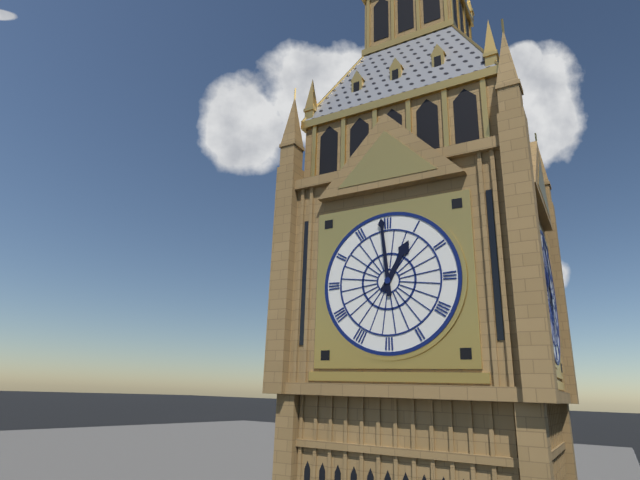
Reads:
12h59
